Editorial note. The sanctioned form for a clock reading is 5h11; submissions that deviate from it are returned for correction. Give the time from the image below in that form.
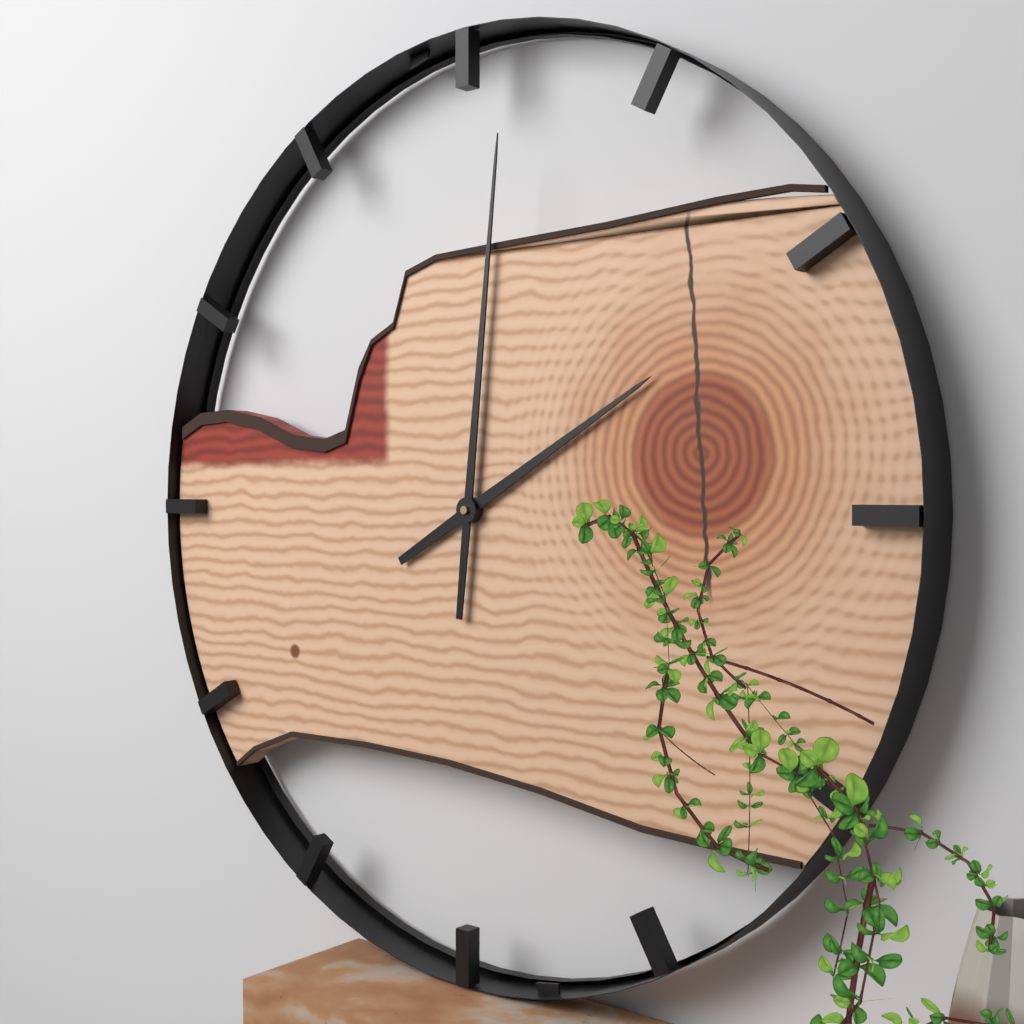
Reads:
2h01
